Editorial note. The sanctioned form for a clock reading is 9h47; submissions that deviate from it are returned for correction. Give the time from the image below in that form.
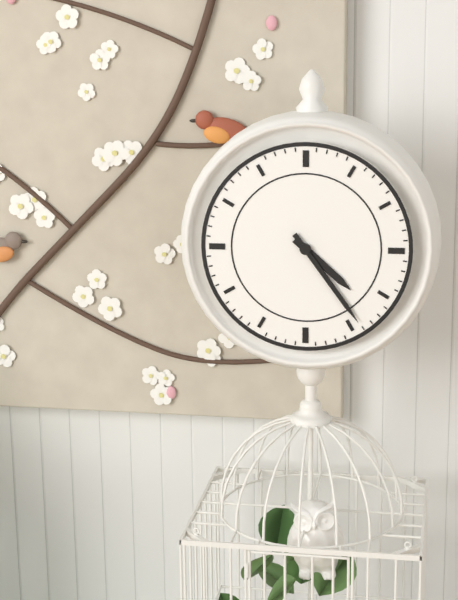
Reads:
4h24
